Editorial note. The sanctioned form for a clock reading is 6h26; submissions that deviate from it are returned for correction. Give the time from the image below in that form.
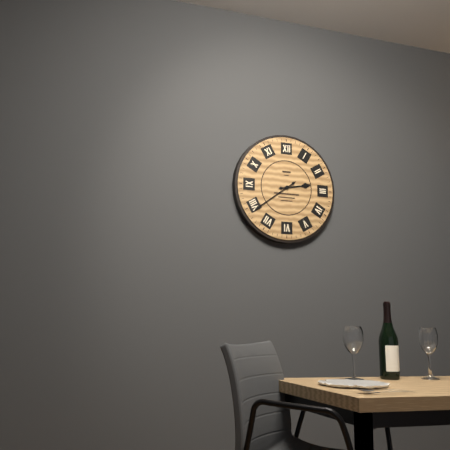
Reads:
2h39
